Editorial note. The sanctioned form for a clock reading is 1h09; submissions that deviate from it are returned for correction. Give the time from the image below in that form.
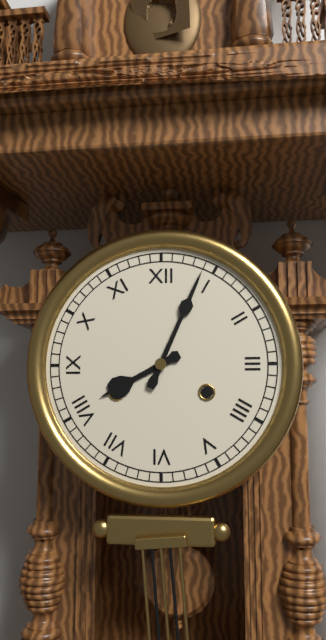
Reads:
8h04
